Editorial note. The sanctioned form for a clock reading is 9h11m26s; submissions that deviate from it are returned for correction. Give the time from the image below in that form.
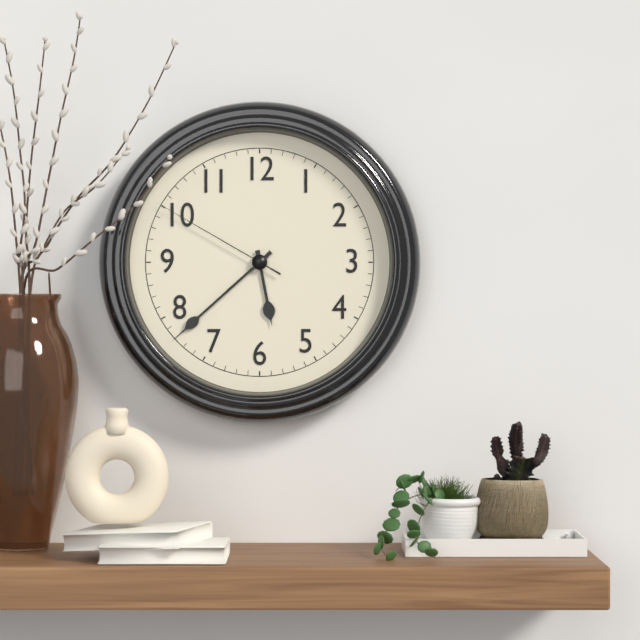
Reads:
5h38m50s
